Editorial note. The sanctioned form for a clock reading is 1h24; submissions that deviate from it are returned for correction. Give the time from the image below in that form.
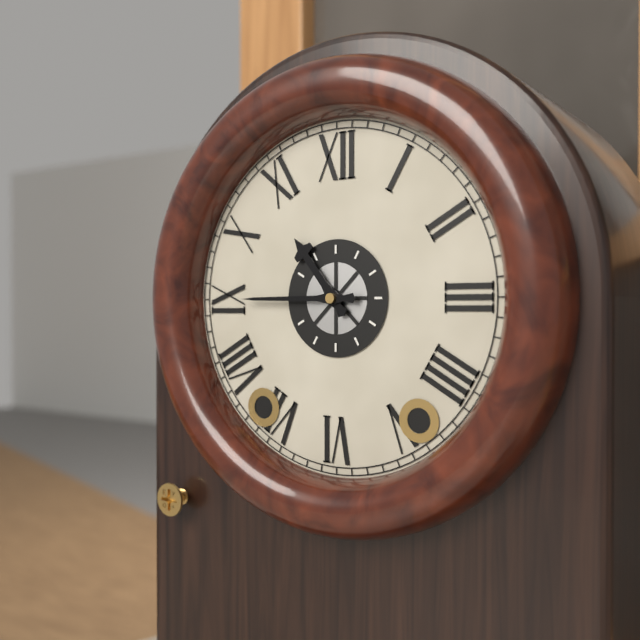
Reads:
10h45
